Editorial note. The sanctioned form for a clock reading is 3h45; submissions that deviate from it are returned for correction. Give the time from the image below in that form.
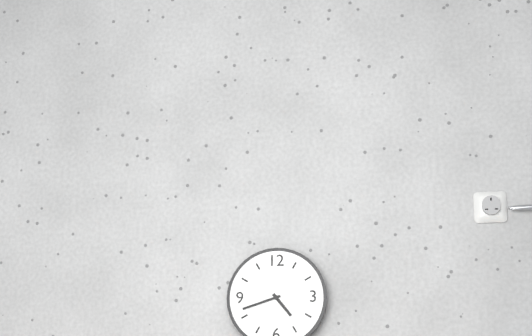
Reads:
4h42
